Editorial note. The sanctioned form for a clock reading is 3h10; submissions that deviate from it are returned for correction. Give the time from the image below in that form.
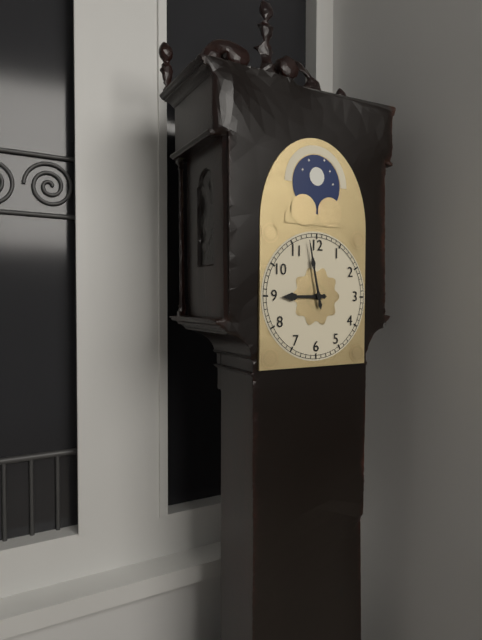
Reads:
8h58
